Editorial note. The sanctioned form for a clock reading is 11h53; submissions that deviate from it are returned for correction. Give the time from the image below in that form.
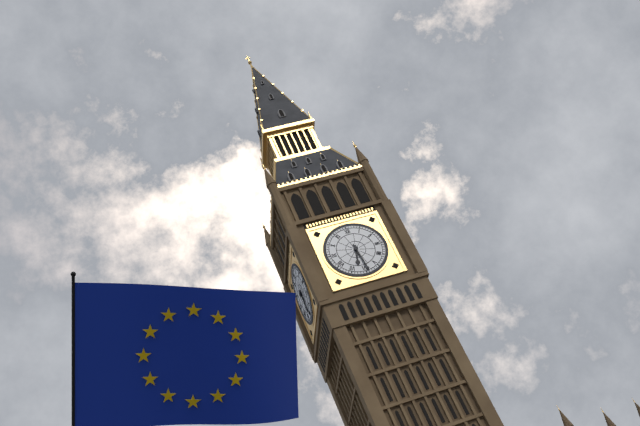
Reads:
6h29
